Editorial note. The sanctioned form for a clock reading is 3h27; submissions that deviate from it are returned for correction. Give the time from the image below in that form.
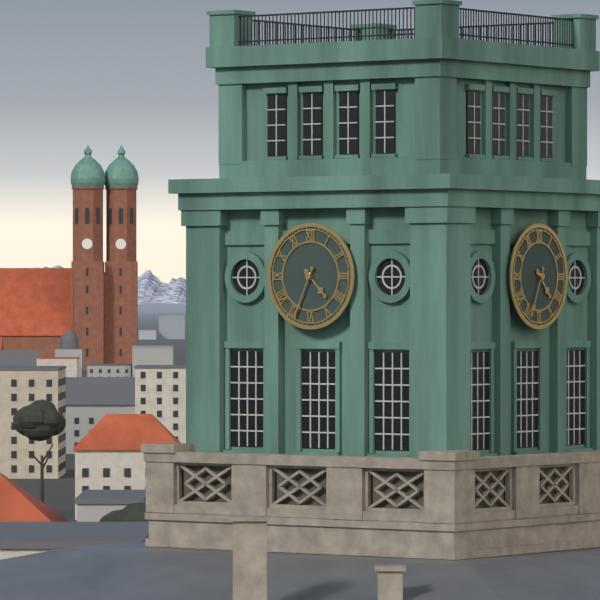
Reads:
4h34
